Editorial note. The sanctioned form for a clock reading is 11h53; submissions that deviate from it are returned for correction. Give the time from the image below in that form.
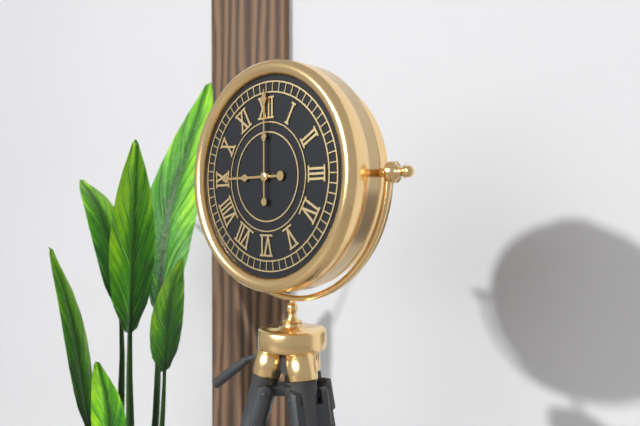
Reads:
9h00
